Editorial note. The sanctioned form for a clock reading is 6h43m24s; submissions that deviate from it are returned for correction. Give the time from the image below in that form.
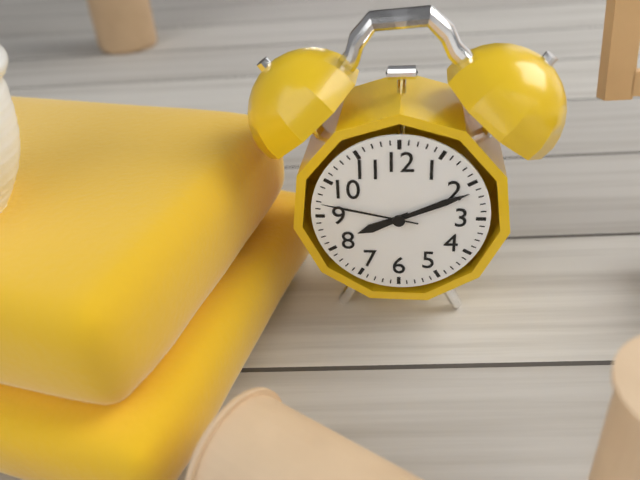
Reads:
8h11m47s
